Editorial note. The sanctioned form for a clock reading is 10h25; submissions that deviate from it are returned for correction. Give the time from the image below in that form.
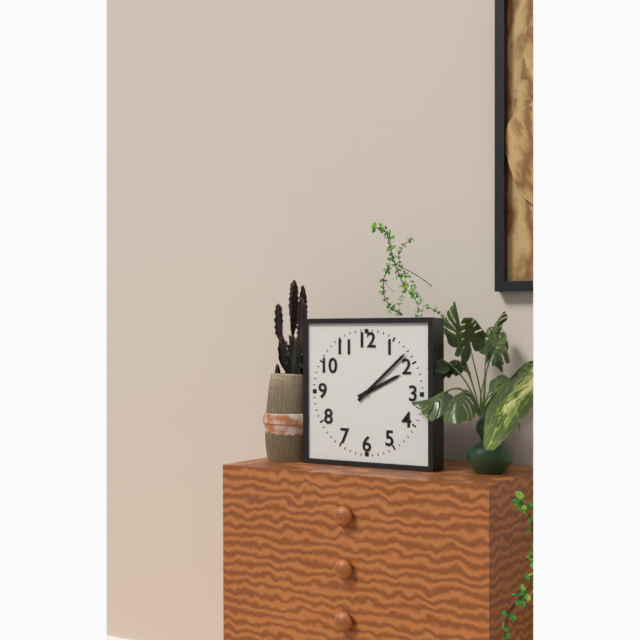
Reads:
2h08
